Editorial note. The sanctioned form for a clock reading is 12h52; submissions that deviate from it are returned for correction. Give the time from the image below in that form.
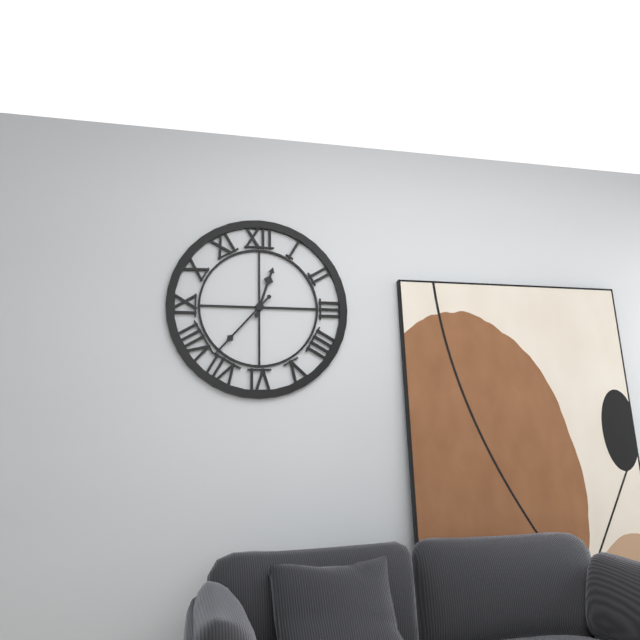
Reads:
12h37
